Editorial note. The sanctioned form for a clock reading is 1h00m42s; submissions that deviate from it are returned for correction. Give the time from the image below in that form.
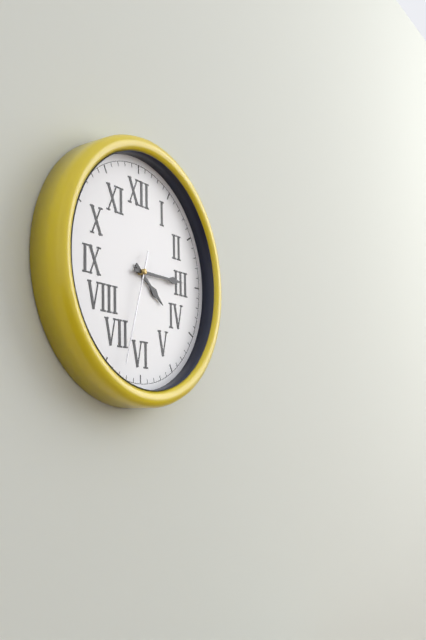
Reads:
4h15m33s
